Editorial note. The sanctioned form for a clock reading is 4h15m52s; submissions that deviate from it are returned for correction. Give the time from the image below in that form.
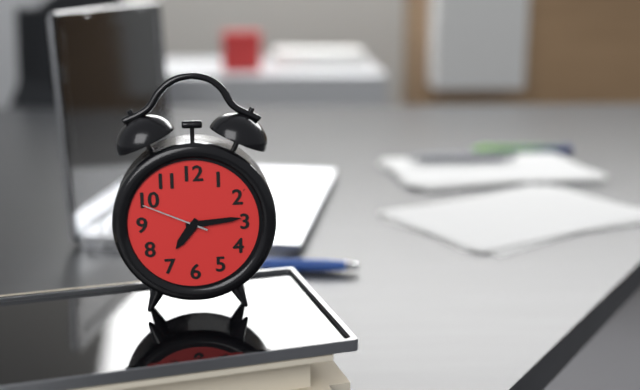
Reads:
7h14m49s
